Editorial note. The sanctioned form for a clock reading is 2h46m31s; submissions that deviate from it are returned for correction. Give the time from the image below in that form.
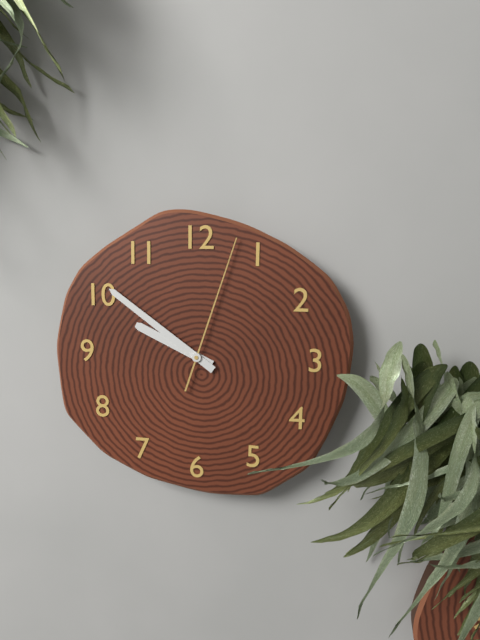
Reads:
9h51m03s
